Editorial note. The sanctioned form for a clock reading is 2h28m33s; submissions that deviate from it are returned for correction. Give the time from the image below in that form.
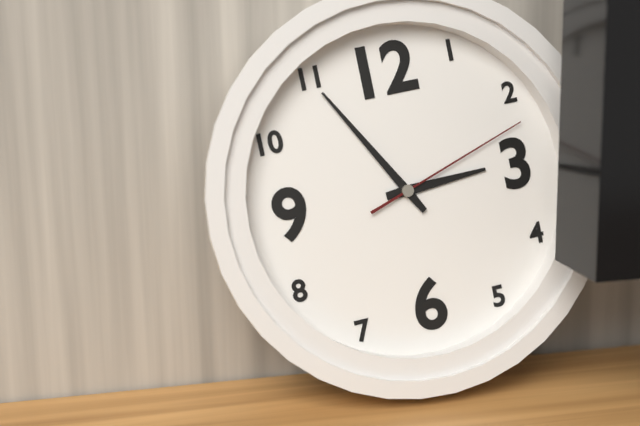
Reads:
2h55m12s
